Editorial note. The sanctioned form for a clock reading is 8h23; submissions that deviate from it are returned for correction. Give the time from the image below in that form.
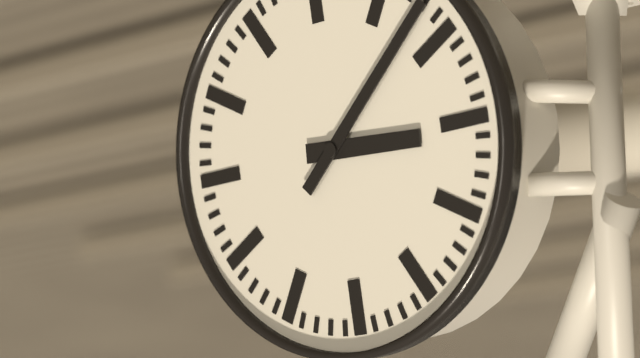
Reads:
3h08
